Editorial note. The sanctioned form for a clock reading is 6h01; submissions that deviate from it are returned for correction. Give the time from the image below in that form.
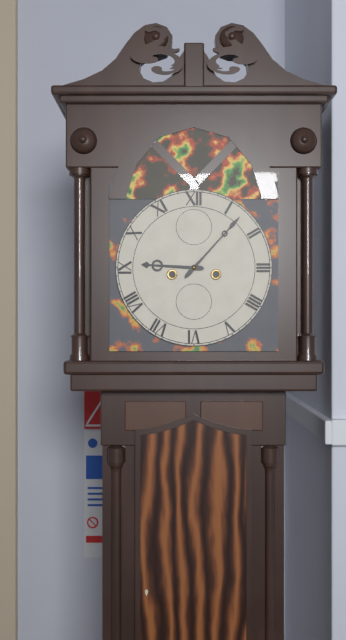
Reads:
9h07
